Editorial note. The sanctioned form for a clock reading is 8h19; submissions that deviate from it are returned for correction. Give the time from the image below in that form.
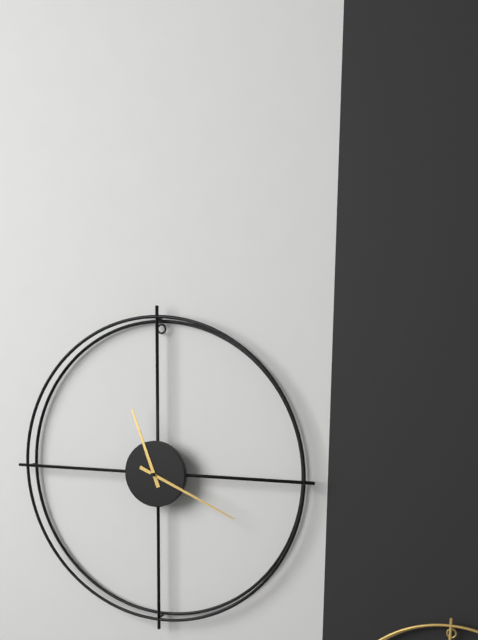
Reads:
11h19
